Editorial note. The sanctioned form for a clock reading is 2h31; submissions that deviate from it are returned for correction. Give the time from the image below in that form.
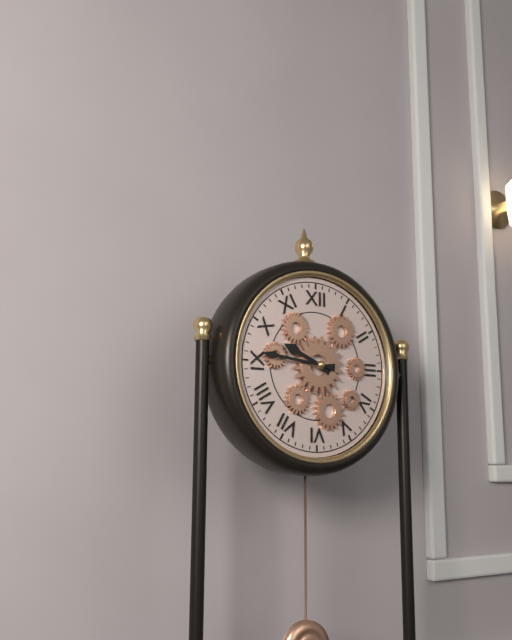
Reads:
9h46
